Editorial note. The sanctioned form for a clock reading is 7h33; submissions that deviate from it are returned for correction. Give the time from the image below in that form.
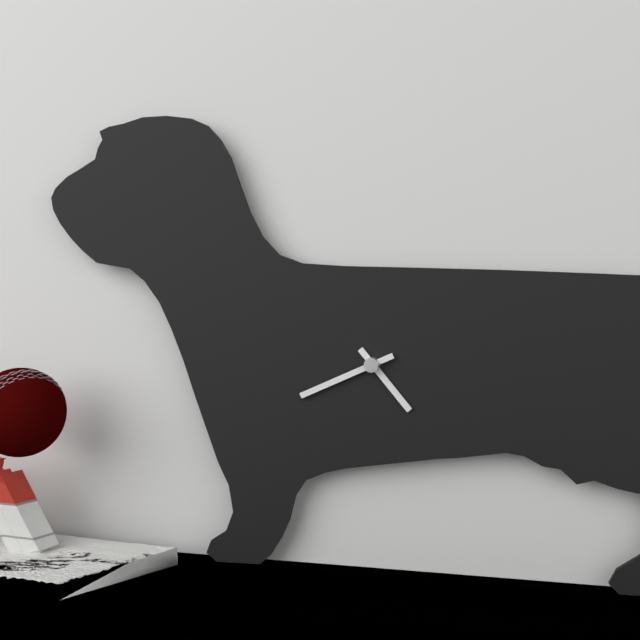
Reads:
4h41
